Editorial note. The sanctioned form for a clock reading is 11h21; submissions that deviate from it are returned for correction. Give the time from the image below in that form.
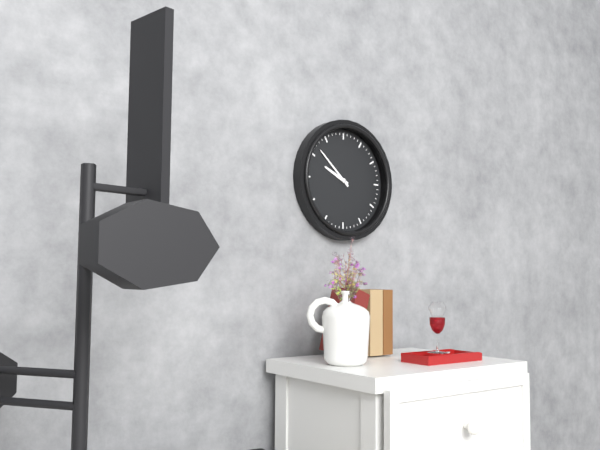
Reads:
9h52
